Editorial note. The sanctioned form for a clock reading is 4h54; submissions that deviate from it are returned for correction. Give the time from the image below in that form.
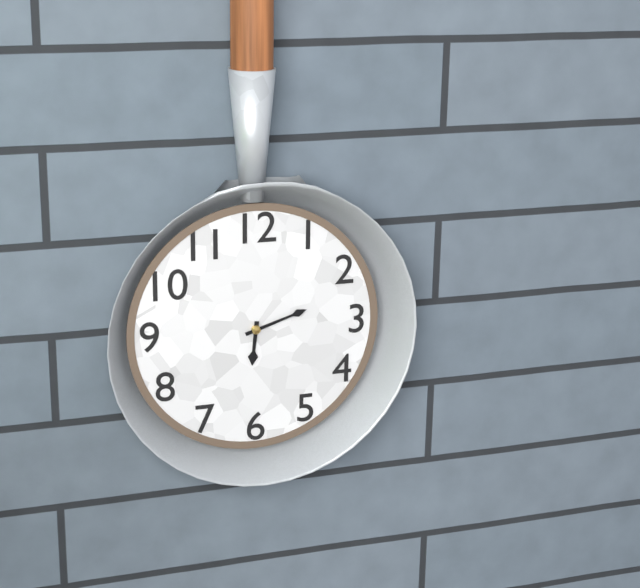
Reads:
6h12
